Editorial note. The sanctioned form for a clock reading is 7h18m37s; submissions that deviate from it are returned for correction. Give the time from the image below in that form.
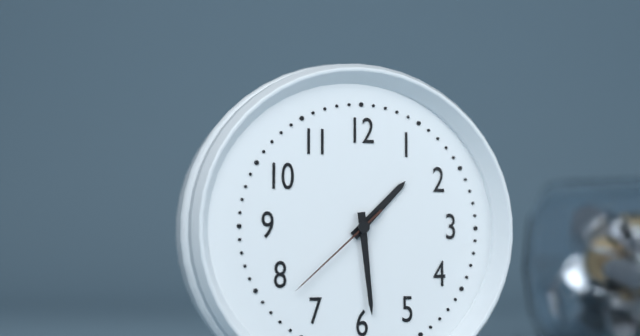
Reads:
1h29m38s
